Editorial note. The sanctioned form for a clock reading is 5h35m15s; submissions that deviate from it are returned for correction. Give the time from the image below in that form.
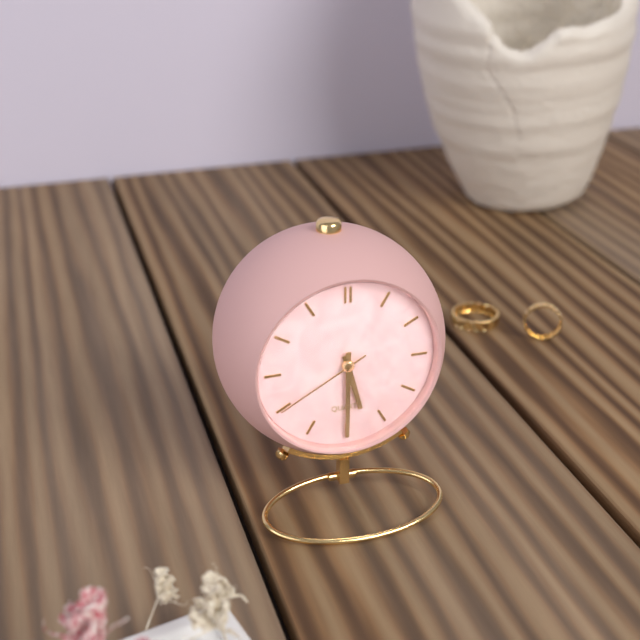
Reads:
5h30m40s
